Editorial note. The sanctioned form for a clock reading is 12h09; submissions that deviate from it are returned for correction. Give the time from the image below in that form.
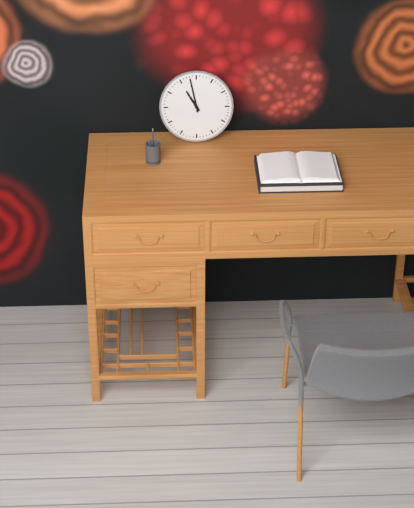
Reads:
10h58
